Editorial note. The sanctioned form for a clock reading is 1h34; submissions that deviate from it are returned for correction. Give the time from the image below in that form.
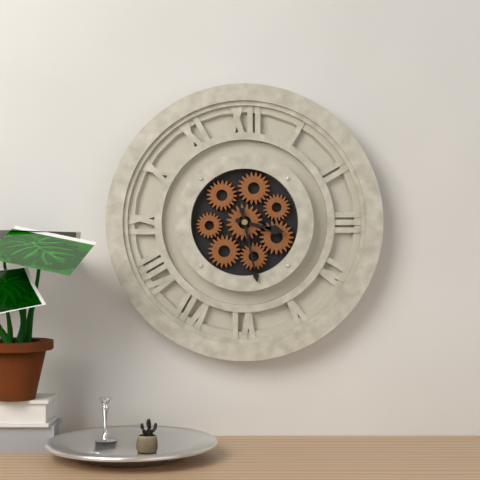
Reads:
3h28
